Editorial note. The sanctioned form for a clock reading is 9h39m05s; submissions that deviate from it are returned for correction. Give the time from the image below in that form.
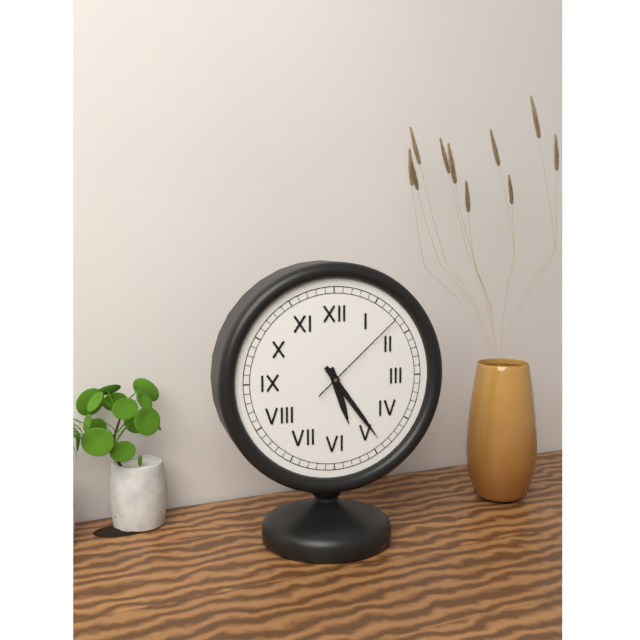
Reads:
5h24m08s
